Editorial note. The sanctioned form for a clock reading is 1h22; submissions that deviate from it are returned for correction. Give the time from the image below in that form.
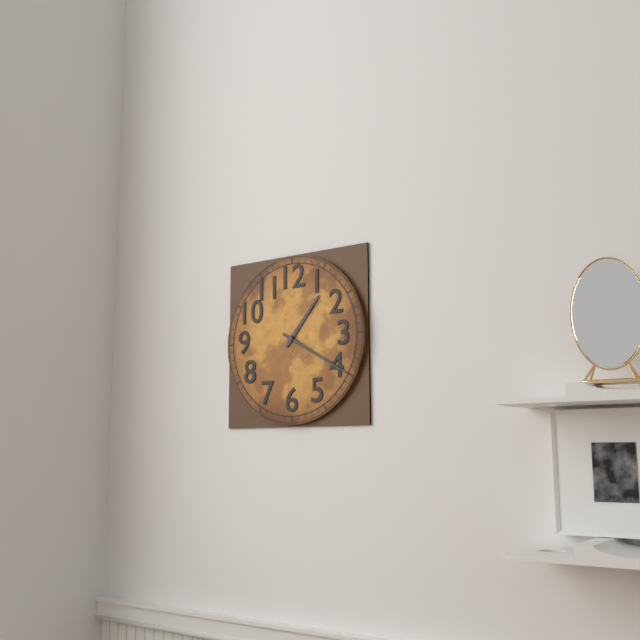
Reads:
1h20
